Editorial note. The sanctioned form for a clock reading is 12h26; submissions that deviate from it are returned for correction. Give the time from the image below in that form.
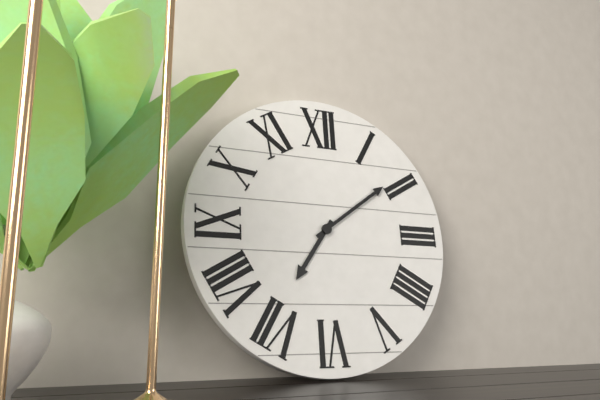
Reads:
7h09
